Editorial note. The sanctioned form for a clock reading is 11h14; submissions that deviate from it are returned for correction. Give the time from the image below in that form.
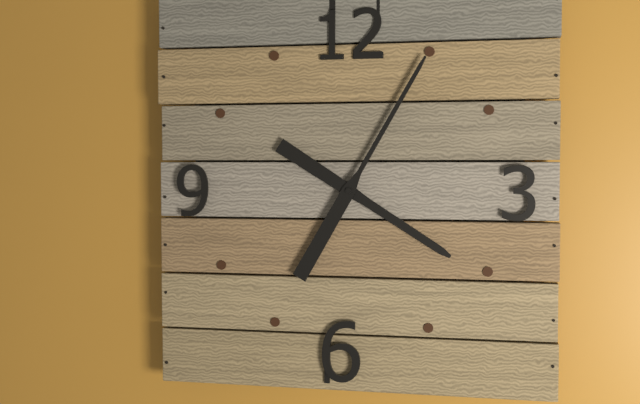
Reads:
4h05
